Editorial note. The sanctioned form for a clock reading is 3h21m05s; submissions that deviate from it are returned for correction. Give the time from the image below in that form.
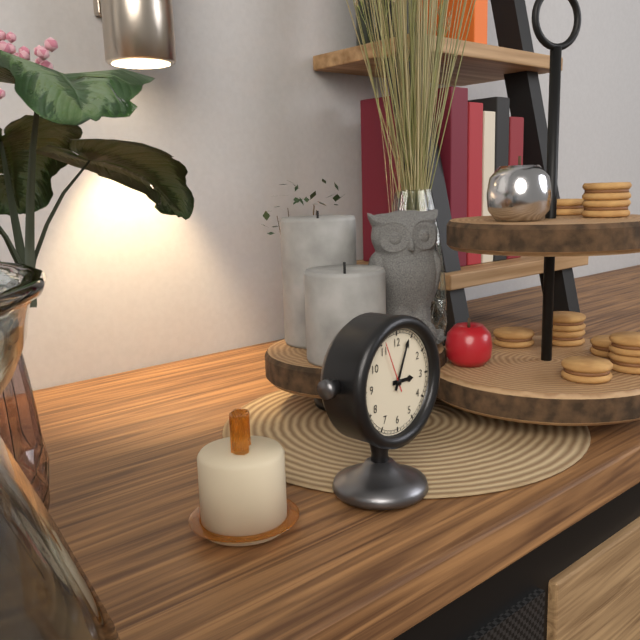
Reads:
3h04m56s
